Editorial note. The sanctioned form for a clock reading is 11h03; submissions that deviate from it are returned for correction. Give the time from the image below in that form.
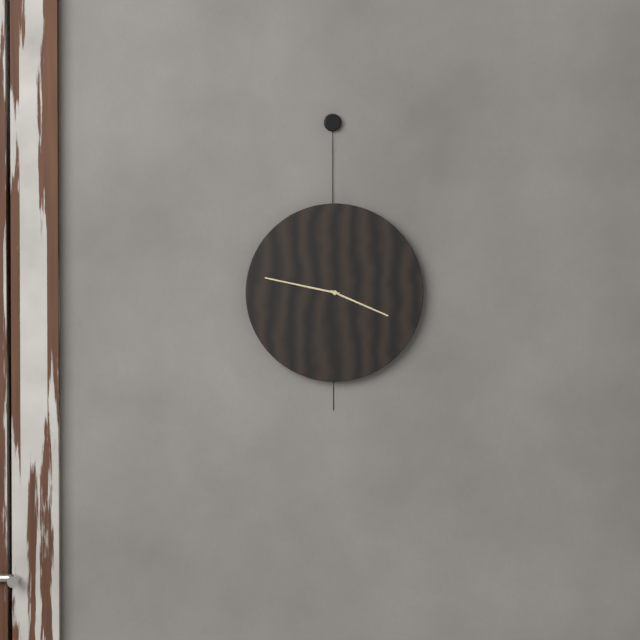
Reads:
3h47
